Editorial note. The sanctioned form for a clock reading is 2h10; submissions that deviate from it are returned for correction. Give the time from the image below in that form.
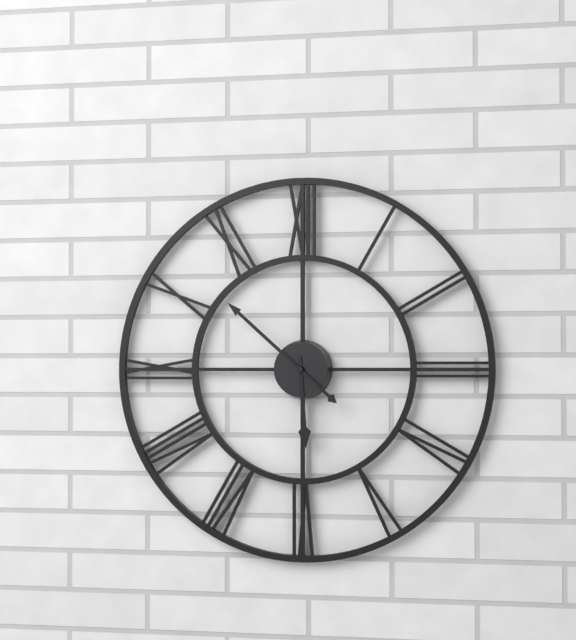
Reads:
5h52
